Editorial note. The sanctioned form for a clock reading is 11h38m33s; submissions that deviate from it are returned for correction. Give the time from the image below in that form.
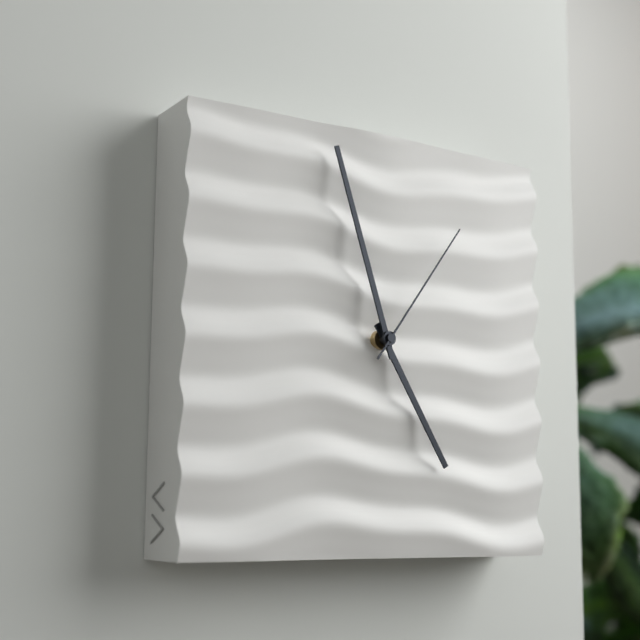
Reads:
4h57m06s
